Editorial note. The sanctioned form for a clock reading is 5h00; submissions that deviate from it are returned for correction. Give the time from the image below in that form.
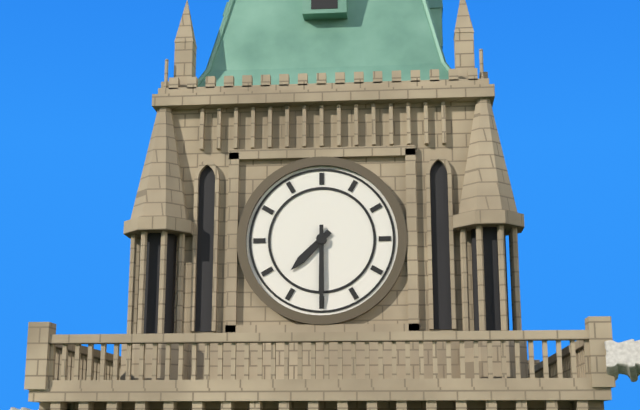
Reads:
7h30
